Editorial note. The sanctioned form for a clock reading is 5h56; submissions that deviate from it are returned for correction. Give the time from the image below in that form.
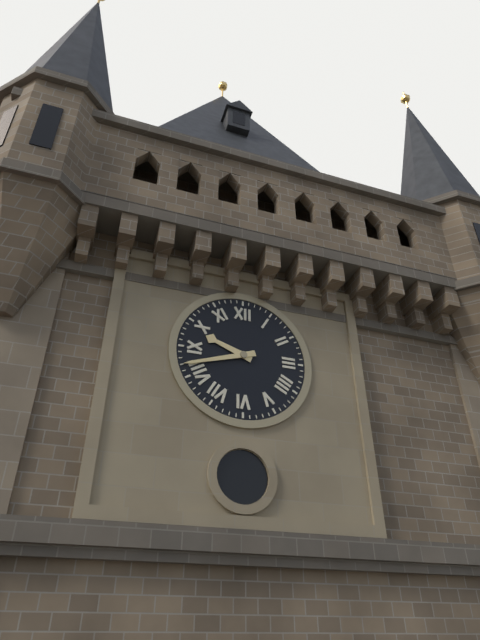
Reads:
9h42
